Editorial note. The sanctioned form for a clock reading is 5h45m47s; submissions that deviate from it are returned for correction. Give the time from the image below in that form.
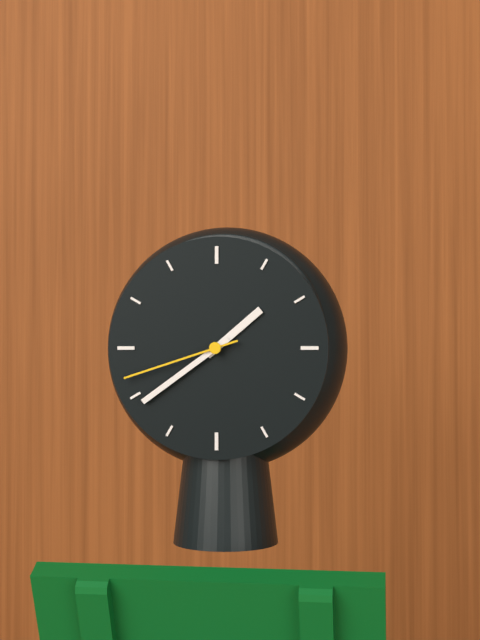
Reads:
1h39m42s
